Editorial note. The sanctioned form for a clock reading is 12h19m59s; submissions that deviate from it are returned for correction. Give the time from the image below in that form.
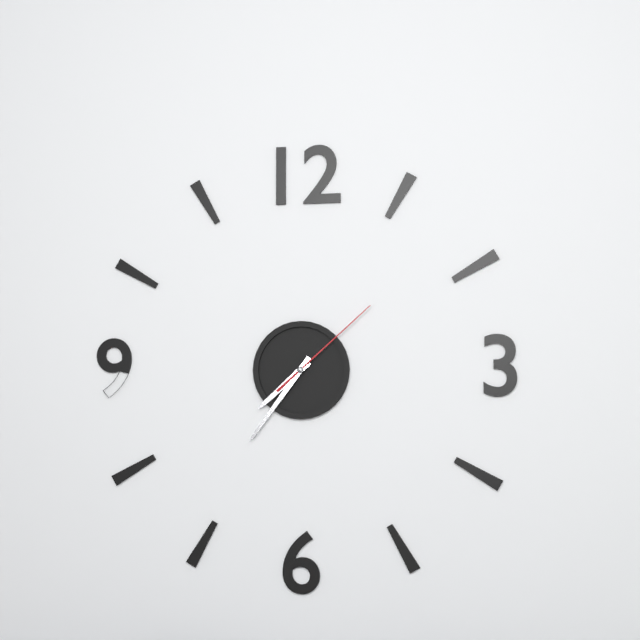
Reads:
7h36m08s
